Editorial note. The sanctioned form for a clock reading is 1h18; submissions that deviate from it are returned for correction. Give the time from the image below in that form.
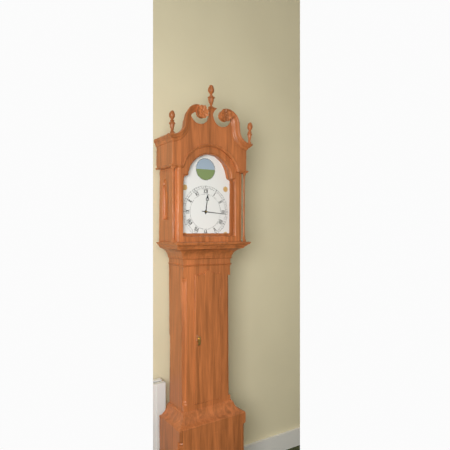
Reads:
12h16
